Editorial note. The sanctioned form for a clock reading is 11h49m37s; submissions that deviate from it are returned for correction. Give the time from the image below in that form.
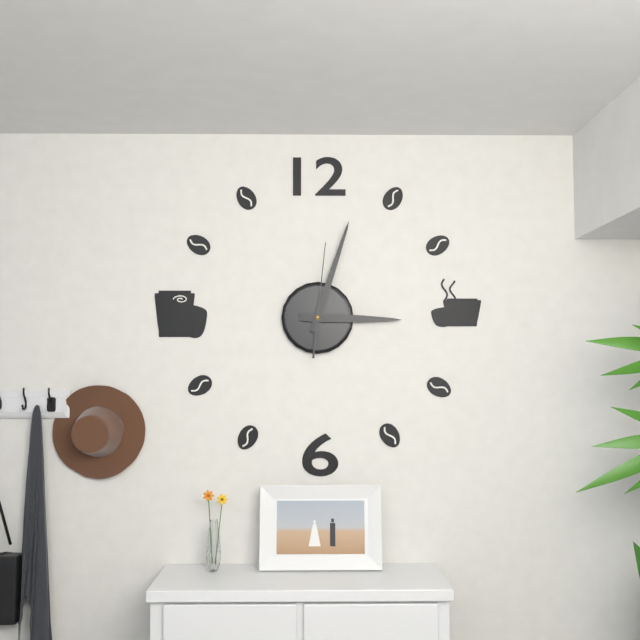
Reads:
3h03m01s
